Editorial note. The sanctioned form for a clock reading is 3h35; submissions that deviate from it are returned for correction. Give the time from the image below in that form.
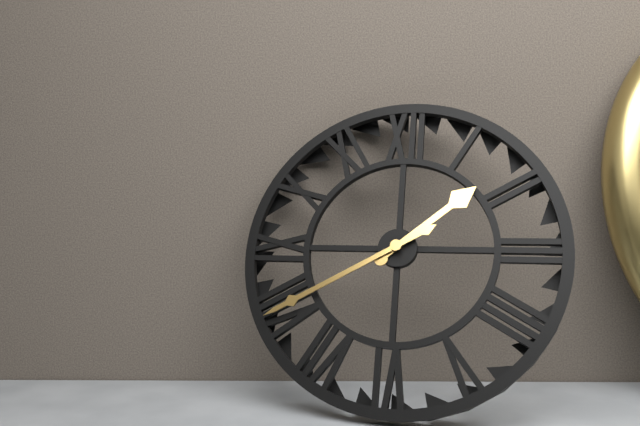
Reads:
1h40
